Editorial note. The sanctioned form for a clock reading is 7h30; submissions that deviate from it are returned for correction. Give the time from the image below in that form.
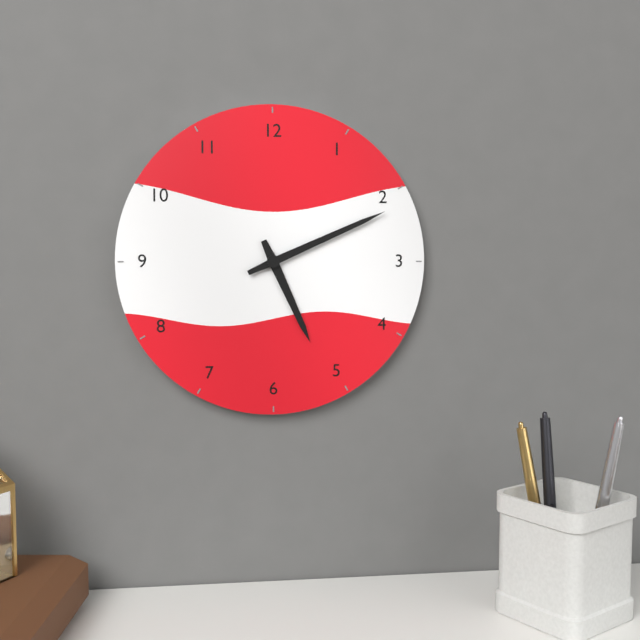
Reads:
5h11
